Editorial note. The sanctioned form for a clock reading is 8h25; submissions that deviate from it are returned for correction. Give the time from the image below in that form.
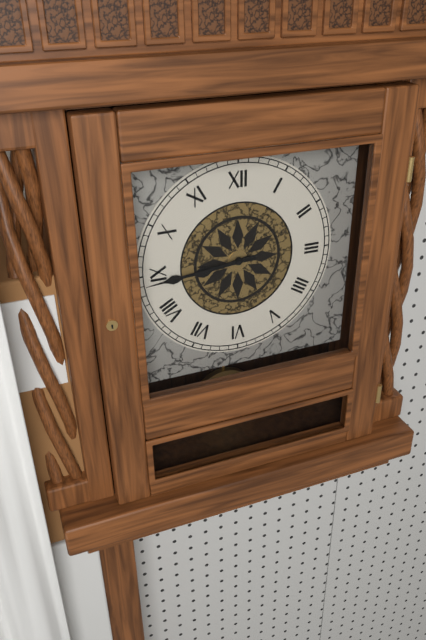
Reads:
8h44
